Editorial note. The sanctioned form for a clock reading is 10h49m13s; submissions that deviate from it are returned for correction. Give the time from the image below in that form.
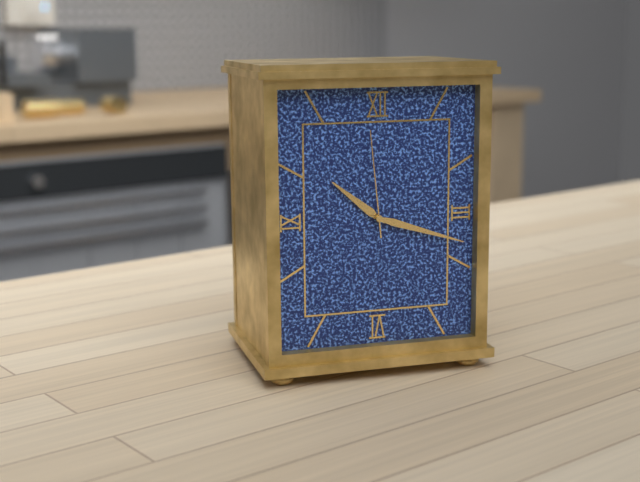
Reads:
10h18m59s
